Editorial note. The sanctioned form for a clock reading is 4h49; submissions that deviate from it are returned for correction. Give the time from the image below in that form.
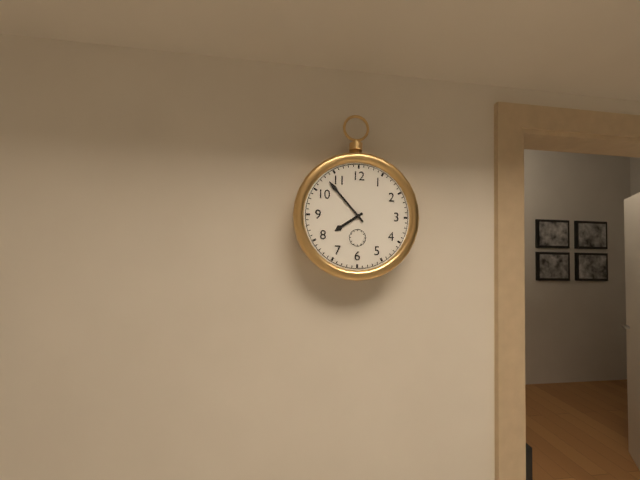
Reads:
7h53
